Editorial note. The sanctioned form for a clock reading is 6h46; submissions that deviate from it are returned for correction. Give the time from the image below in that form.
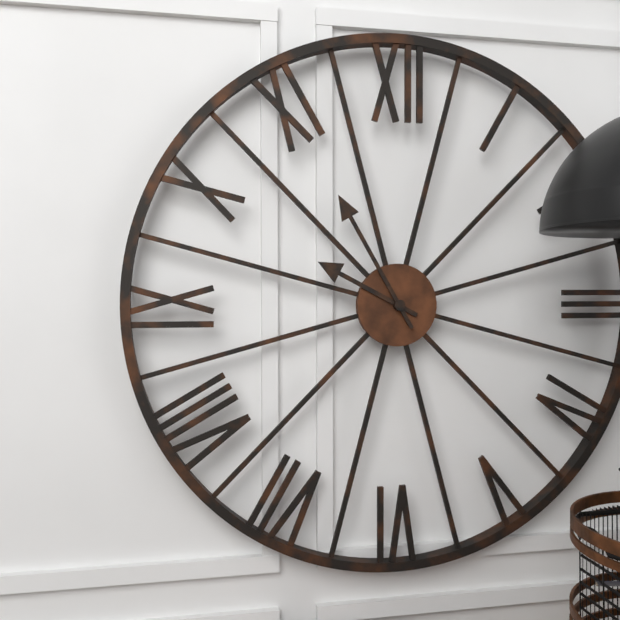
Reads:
9h55
